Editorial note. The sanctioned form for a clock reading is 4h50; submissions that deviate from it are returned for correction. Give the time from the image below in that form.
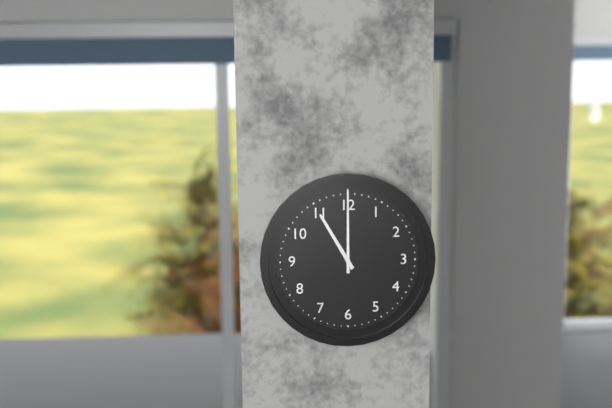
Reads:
11h00
